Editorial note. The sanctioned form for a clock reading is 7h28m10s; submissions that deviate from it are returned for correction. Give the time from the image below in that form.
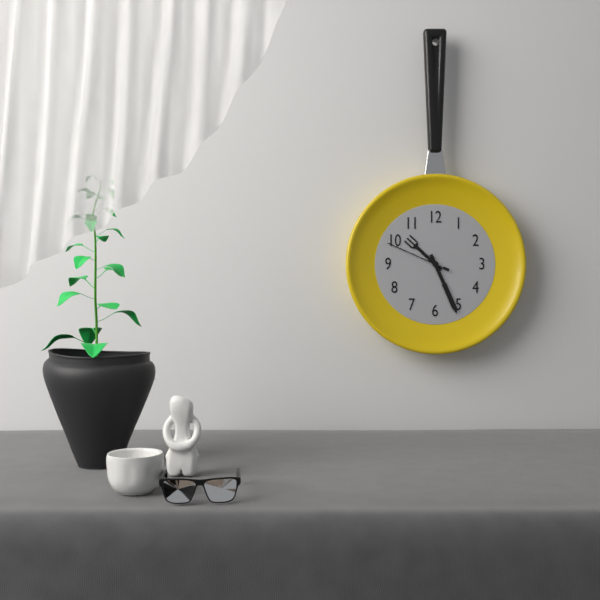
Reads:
10h26m49s
